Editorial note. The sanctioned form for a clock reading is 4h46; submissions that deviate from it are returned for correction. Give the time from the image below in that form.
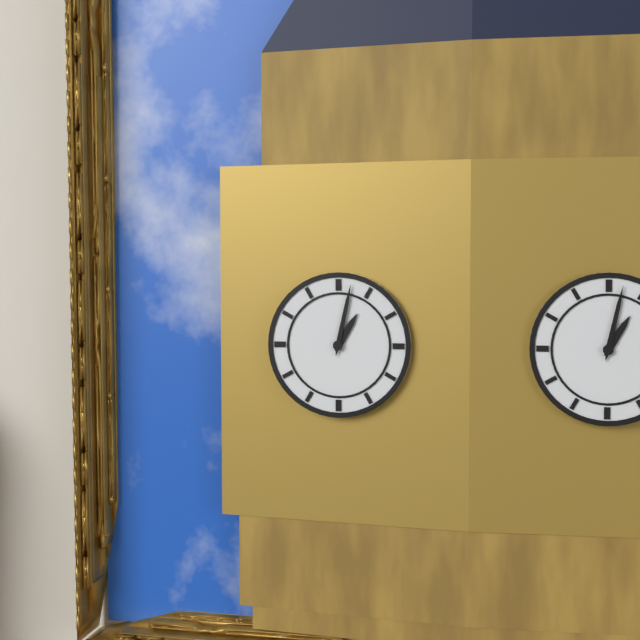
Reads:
1h02
